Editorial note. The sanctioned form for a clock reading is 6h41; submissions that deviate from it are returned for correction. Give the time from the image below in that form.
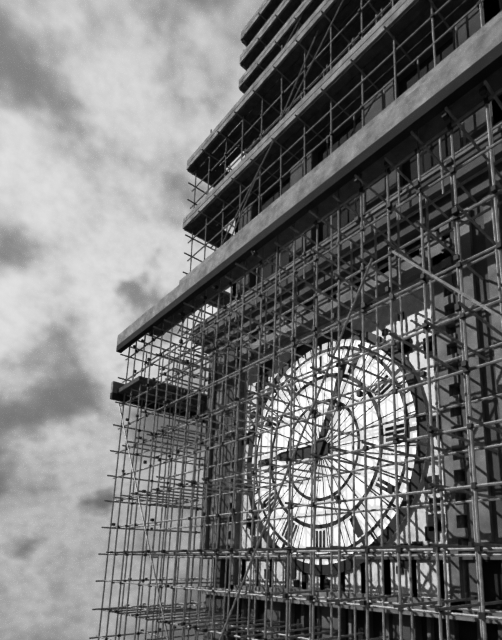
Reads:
9h04
